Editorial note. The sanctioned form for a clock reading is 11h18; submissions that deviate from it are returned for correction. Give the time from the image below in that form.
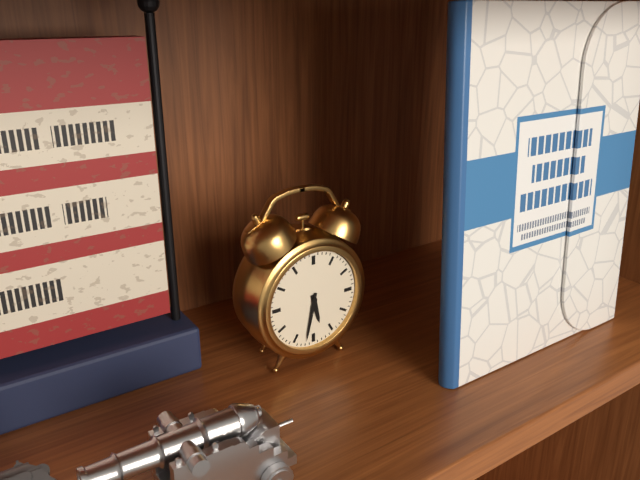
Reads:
5h32
